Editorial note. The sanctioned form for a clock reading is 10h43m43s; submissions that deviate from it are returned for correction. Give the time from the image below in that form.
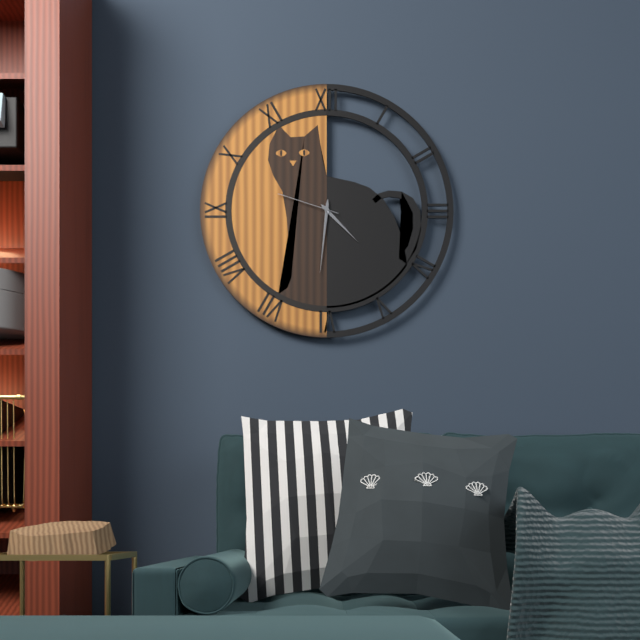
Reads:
4h31m48s
